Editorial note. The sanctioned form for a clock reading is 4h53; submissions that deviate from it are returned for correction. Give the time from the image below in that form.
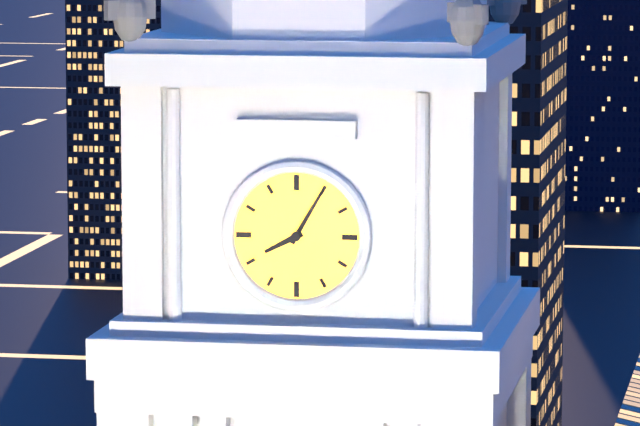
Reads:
8h05
